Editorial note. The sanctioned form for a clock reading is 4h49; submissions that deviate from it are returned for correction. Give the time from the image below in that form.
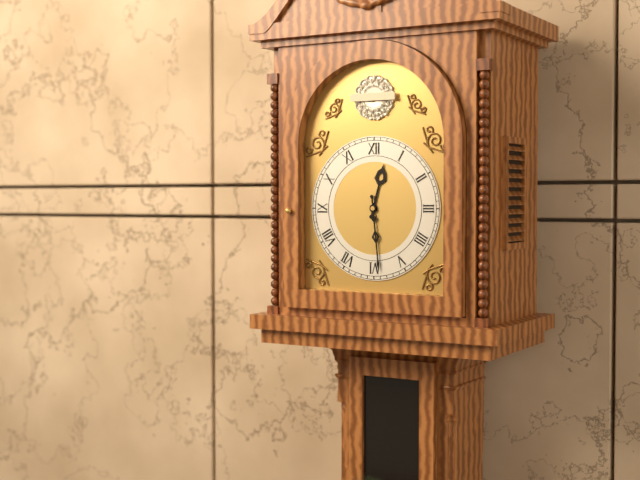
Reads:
12h29
